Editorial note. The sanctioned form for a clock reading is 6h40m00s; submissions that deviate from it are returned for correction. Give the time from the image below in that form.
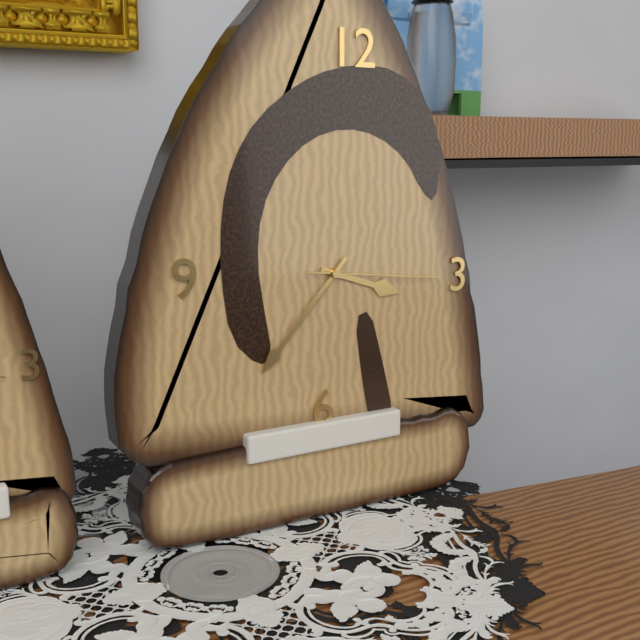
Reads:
3h37m16s
